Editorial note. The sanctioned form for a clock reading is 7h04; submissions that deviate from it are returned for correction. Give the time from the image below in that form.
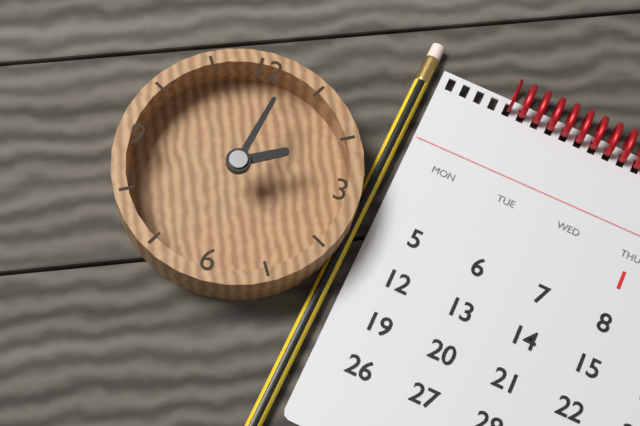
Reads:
2h02
